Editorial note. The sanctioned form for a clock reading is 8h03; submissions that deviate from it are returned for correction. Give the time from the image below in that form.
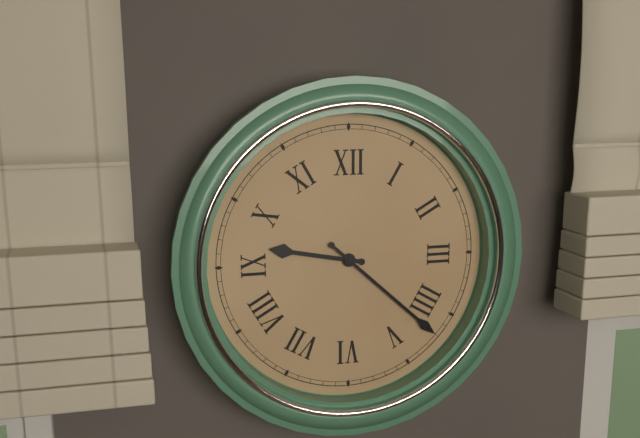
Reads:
9h22
